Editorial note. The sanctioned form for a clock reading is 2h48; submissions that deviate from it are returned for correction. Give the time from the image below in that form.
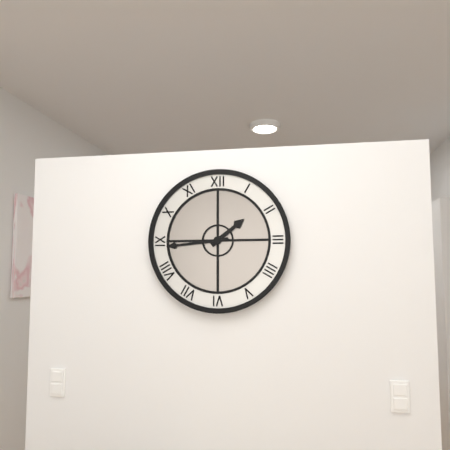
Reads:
1h44
